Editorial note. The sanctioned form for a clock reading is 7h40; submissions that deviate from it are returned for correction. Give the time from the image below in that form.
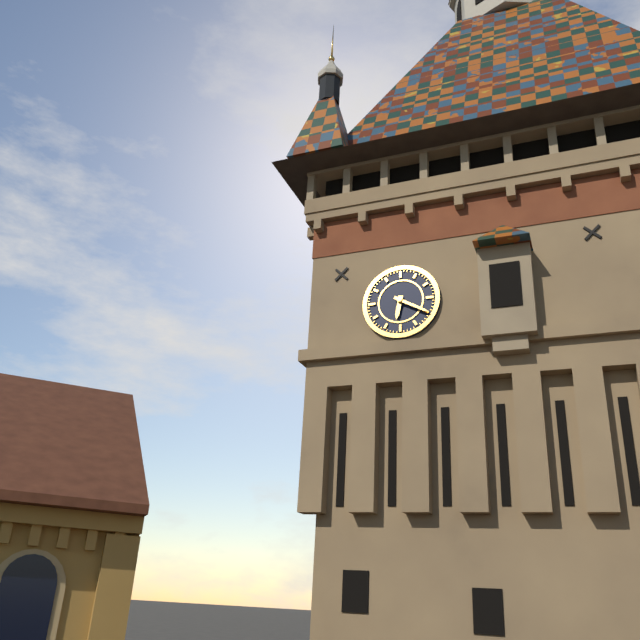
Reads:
6h20
